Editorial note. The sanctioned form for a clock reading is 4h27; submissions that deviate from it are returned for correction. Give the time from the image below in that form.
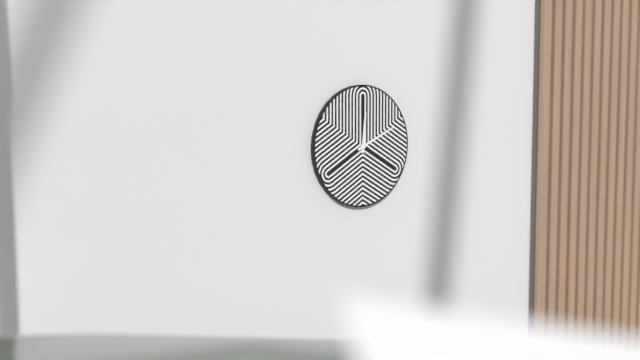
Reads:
12h11
